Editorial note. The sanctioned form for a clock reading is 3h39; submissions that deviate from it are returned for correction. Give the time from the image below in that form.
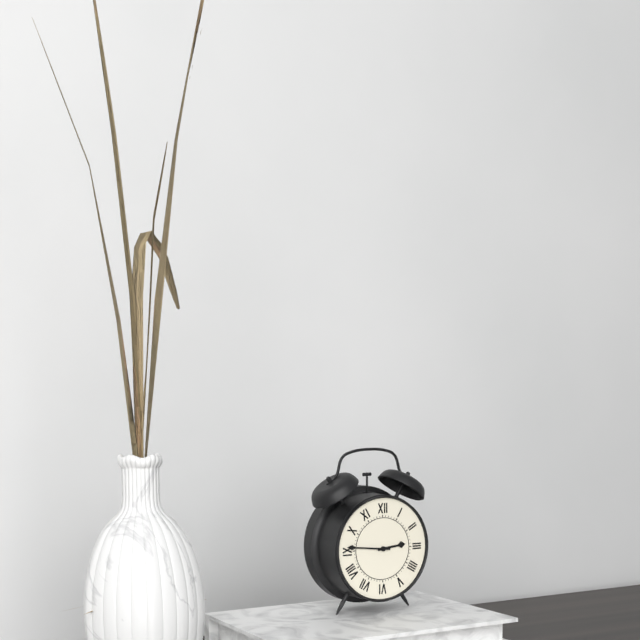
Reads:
2h46
